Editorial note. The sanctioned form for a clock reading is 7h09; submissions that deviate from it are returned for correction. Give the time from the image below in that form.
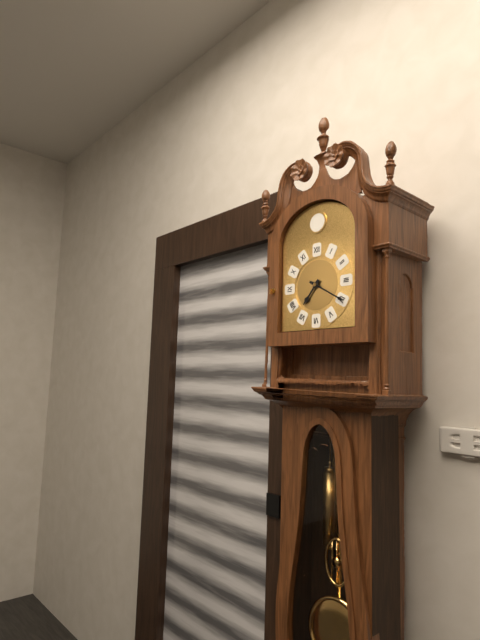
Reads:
7h20
